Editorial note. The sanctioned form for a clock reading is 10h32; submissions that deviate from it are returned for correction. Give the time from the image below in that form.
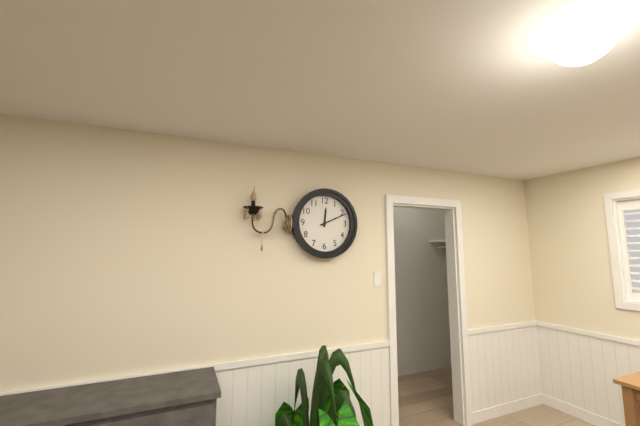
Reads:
12h11
